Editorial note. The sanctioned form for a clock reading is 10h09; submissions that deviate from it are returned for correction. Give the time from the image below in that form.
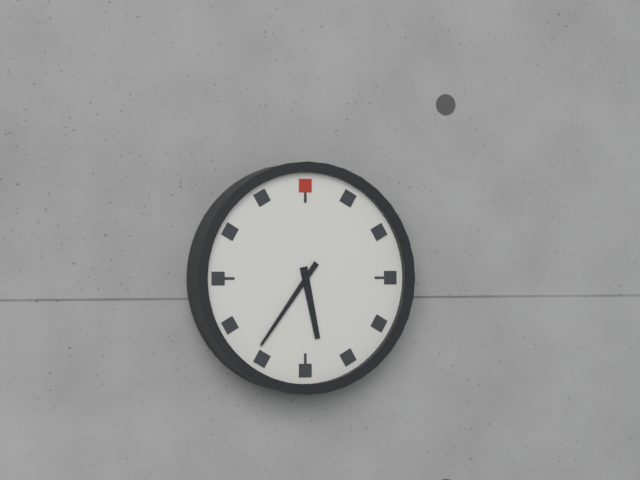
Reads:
5h36
